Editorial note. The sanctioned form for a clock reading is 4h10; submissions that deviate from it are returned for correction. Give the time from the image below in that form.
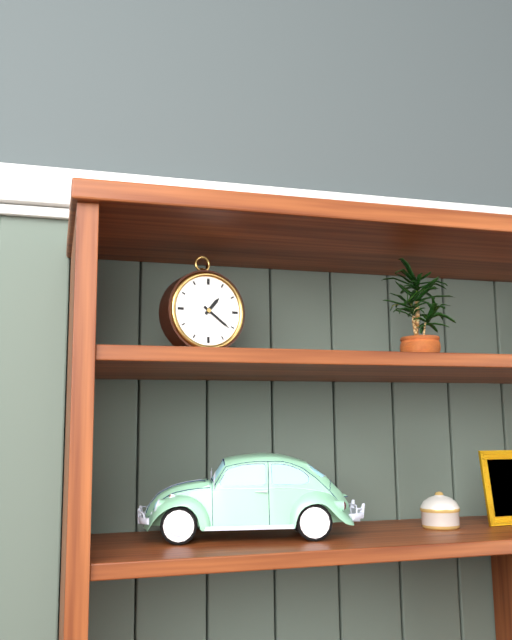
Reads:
1h21
